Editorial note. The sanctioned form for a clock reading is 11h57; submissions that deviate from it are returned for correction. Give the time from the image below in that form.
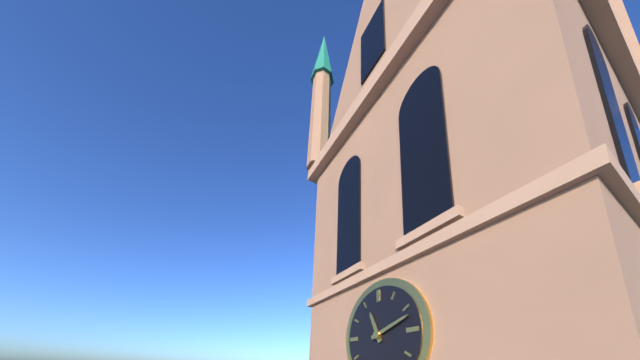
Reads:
11h12
